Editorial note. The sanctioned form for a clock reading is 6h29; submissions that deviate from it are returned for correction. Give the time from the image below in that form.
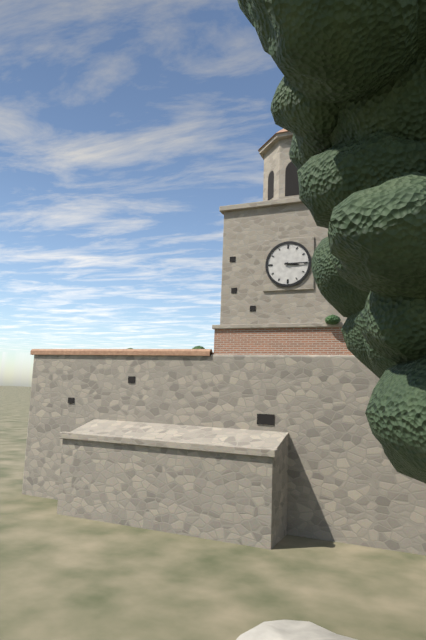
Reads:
3h15
